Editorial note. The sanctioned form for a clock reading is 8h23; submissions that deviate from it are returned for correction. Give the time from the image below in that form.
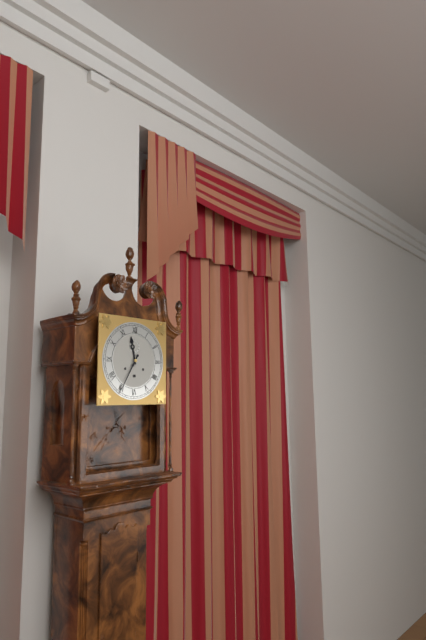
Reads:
11h35
